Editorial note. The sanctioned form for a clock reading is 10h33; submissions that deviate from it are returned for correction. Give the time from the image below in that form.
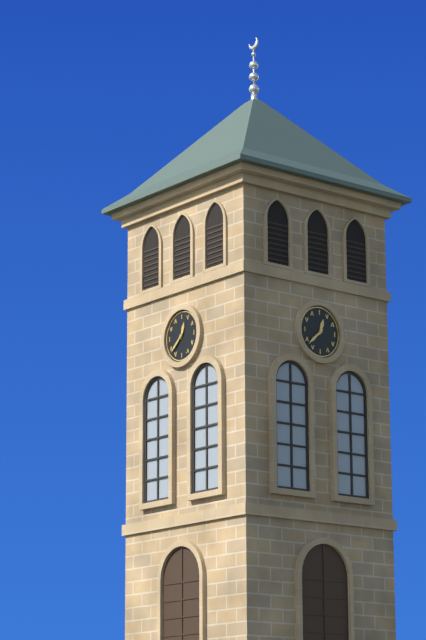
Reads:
12h38
